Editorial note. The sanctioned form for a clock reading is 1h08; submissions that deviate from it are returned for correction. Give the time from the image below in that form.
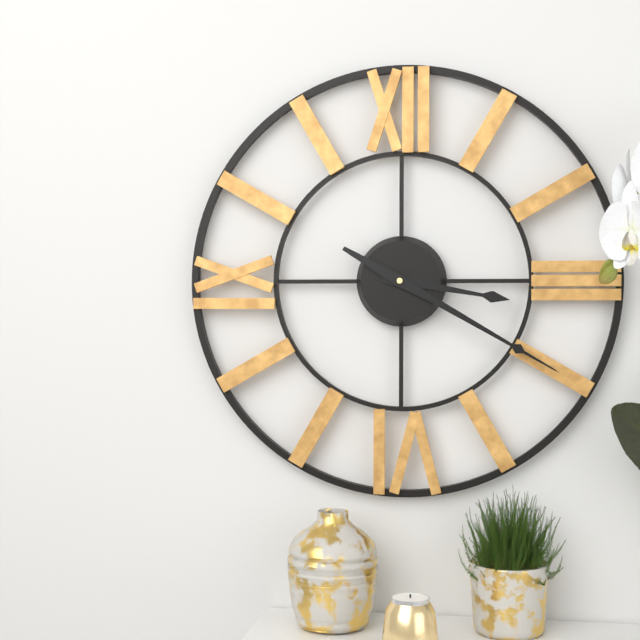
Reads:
3h20
